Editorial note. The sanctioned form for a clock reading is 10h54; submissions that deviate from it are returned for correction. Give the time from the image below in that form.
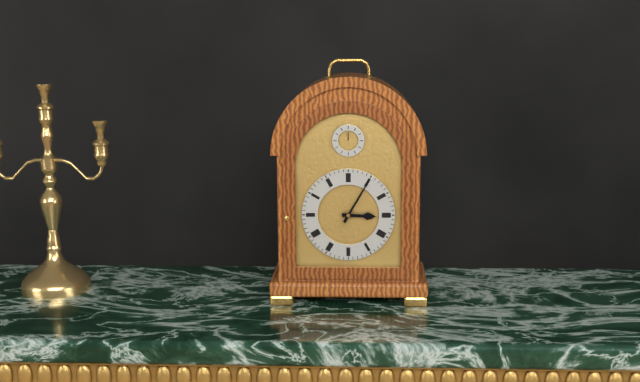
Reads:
3h05
